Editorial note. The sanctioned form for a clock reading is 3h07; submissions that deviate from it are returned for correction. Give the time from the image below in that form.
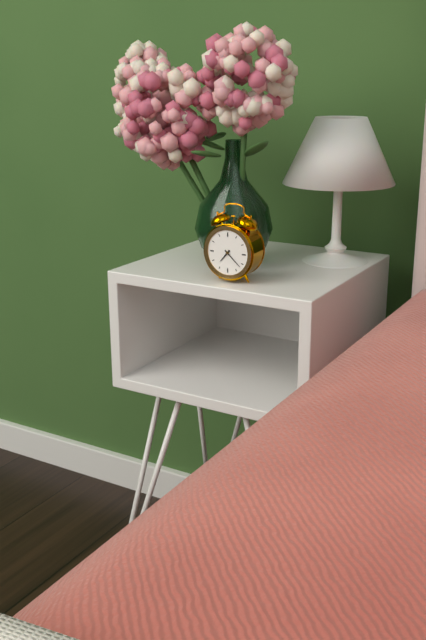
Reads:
7h22
